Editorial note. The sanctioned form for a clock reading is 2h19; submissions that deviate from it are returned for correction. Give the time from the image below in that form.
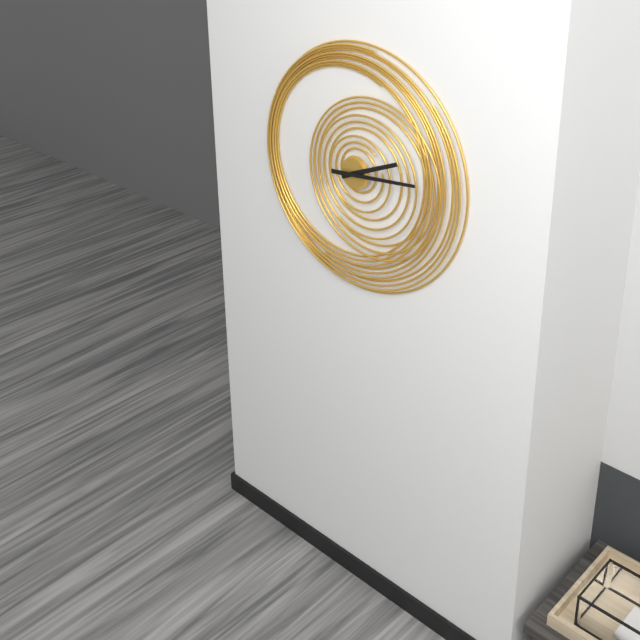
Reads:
2h14
